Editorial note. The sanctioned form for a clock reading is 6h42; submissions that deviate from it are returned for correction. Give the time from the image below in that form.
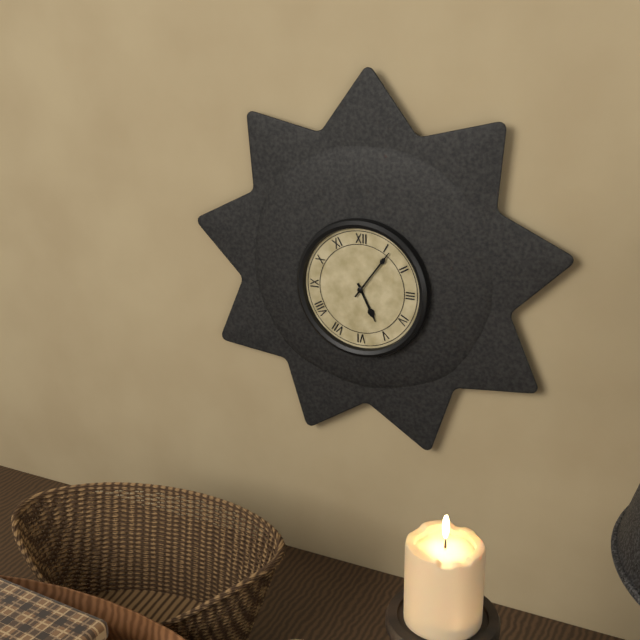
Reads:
5h06
